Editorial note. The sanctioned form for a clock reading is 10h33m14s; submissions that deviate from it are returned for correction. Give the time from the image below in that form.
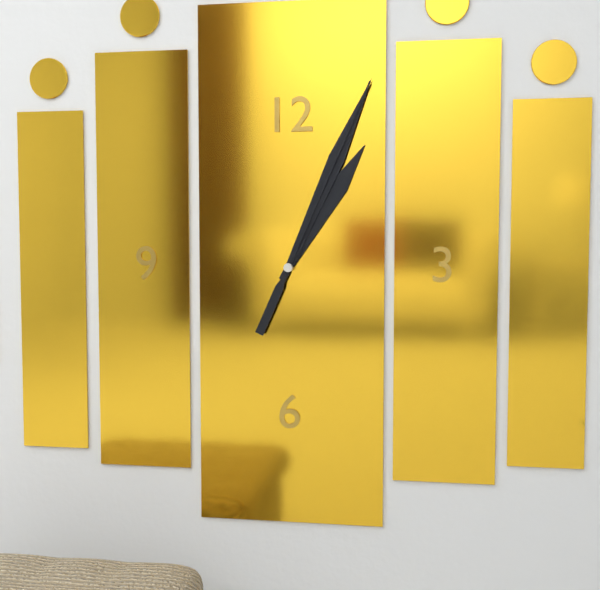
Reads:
1h04m04s
